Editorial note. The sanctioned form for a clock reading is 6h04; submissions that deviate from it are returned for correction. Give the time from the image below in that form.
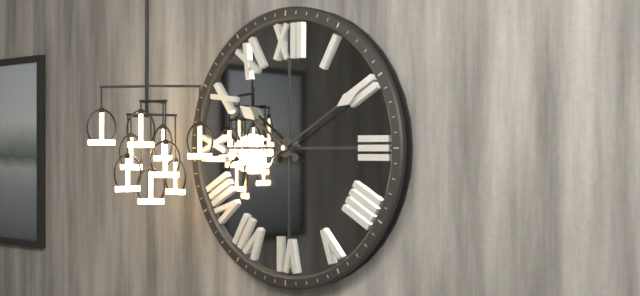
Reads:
10h10
